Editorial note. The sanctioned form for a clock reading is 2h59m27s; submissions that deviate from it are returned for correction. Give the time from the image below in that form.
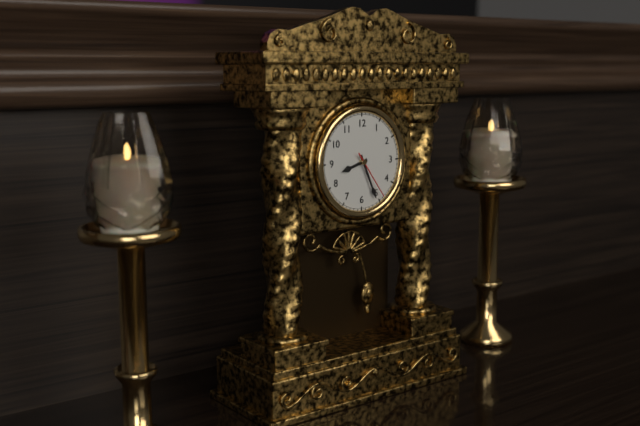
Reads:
8h26m24s
